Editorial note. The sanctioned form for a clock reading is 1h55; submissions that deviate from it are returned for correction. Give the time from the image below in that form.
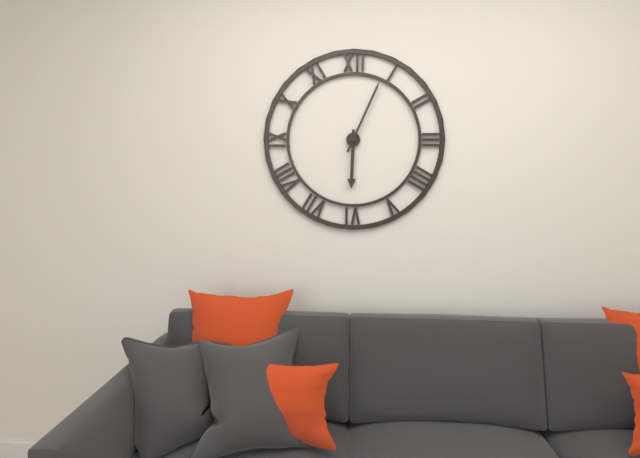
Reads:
6h04
